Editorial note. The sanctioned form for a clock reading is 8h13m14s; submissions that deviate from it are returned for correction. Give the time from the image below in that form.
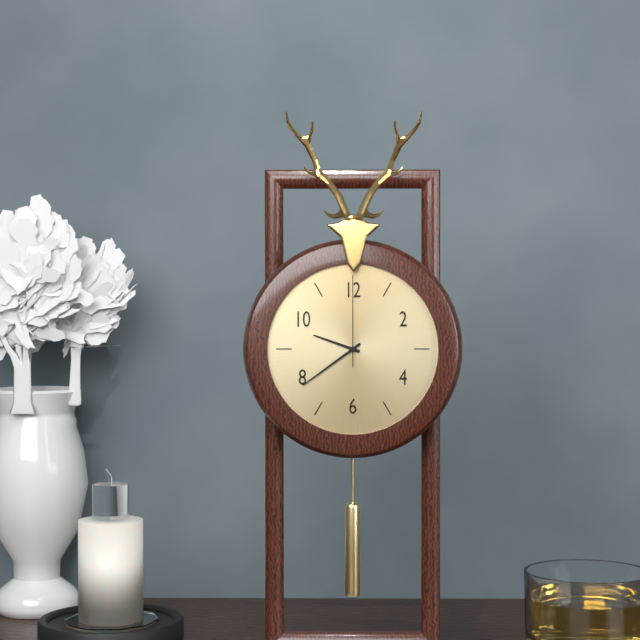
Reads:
9h39m00s
